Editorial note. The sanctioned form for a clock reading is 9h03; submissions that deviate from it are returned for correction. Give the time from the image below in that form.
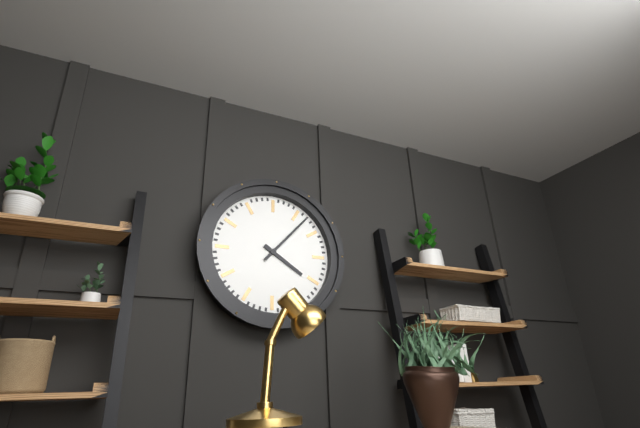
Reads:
4h07
